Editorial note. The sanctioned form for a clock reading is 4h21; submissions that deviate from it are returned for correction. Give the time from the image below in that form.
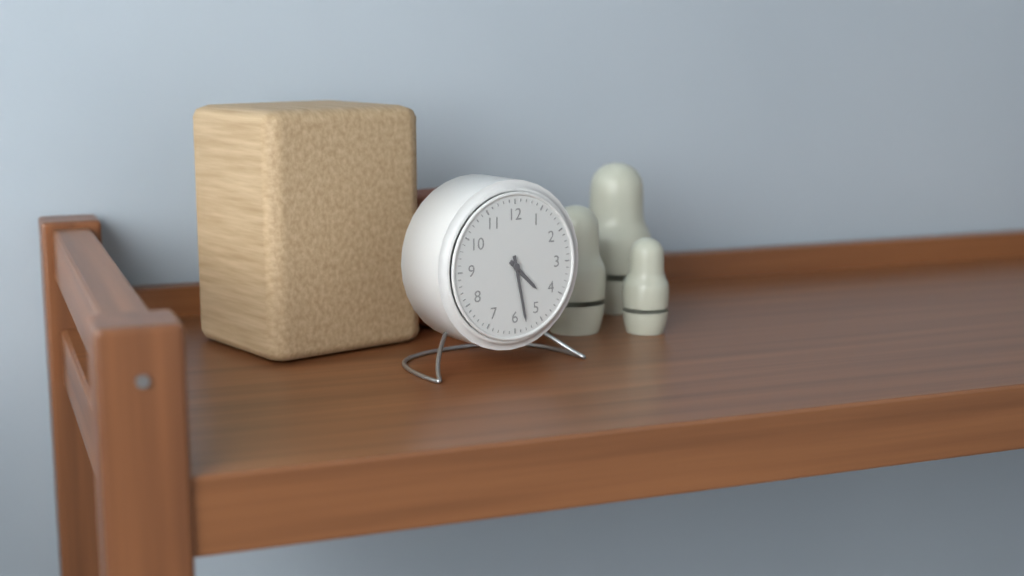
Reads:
4h28
